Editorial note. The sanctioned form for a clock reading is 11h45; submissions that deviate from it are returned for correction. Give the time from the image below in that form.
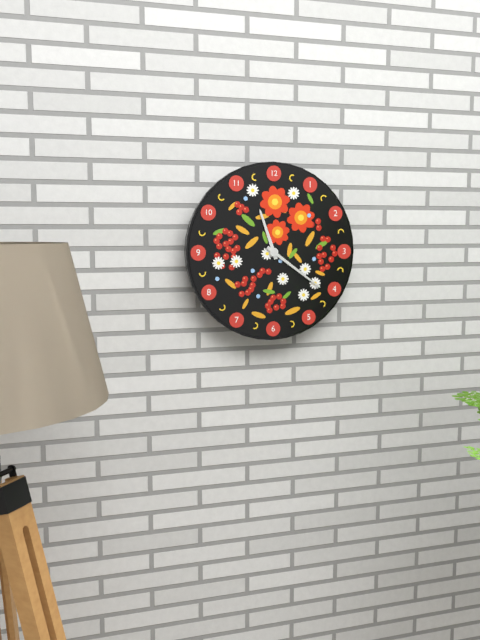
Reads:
11h21
